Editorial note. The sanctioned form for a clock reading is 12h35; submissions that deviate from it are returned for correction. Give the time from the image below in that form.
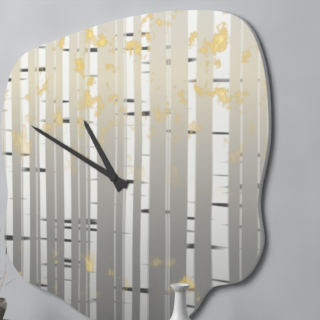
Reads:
10h49
